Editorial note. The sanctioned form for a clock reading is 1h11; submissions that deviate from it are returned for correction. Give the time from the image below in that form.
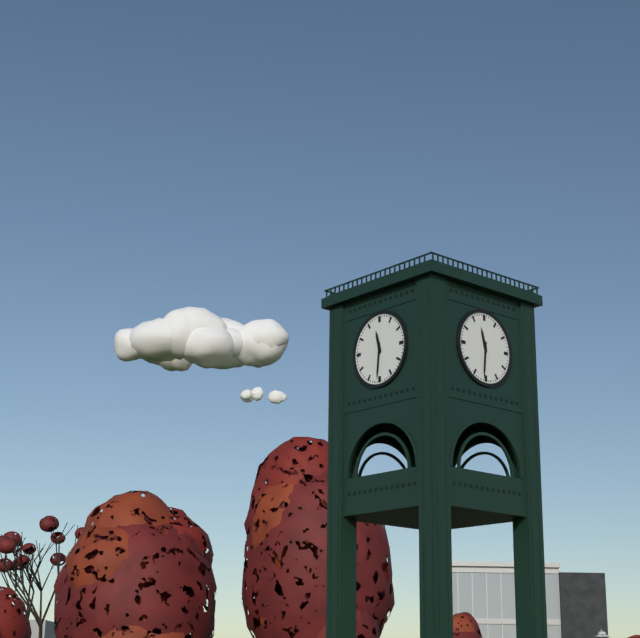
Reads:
11h31
